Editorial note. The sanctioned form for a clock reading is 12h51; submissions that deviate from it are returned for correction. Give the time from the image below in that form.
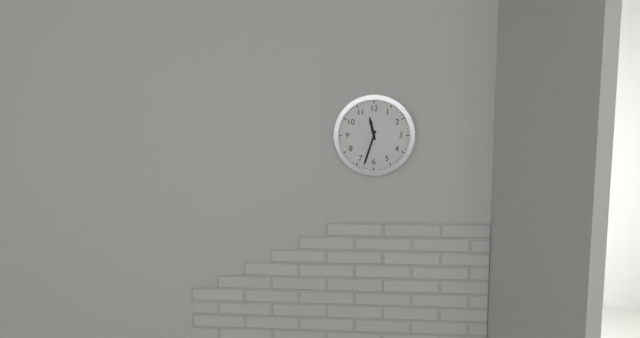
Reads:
11h33
